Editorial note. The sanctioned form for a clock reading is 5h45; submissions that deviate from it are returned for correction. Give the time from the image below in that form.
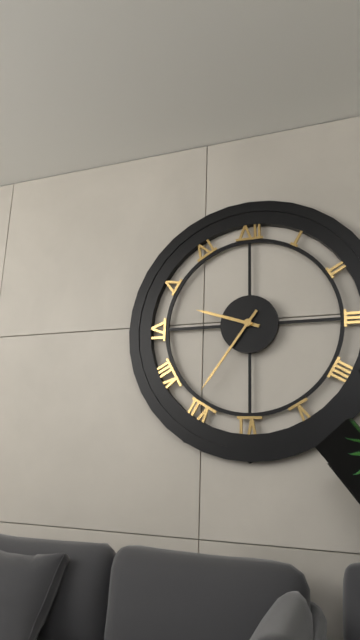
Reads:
9h36
